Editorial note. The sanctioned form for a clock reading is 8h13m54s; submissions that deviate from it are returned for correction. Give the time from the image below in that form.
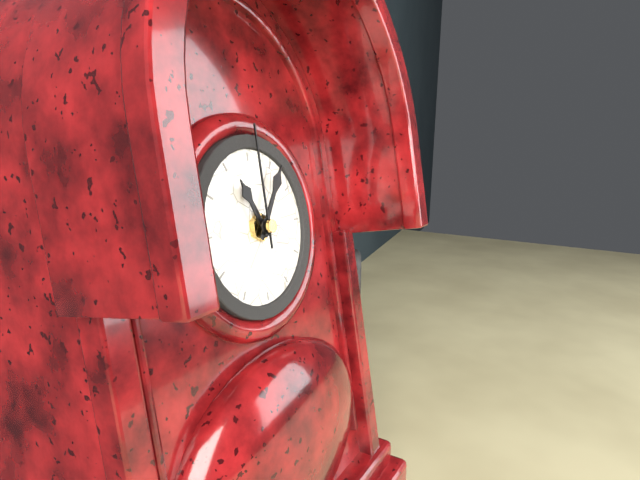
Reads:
11h06m00s
